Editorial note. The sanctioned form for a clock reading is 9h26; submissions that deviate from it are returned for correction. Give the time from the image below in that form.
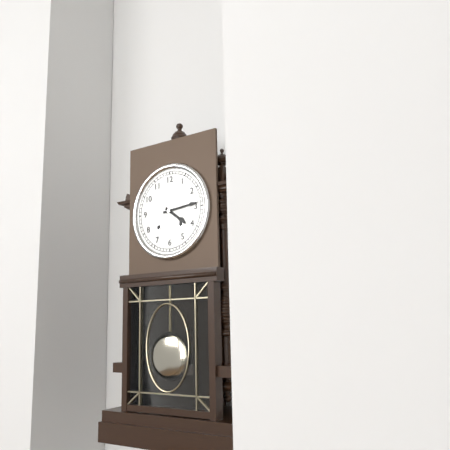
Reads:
4h14
